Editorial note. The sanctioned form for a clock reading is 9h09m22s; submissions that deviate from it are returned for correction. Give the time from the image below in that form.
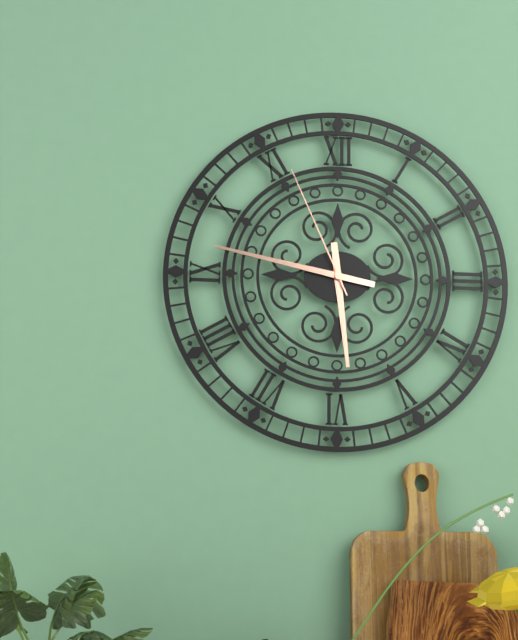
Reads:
5h47m56s
